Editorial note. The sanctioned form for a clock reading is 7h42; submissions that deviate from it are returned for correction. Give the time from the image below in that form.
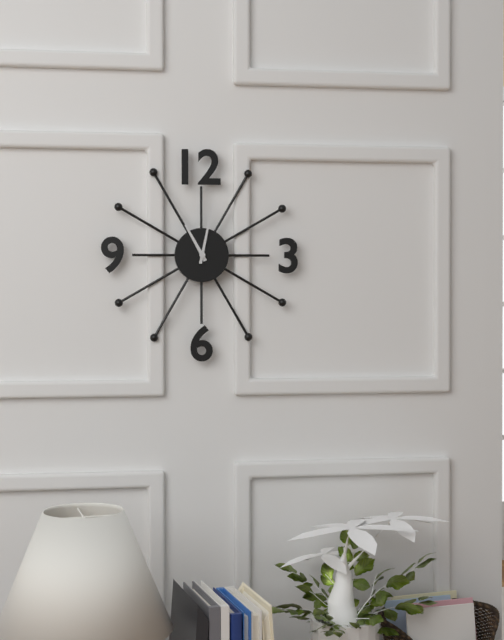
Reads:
11h02
